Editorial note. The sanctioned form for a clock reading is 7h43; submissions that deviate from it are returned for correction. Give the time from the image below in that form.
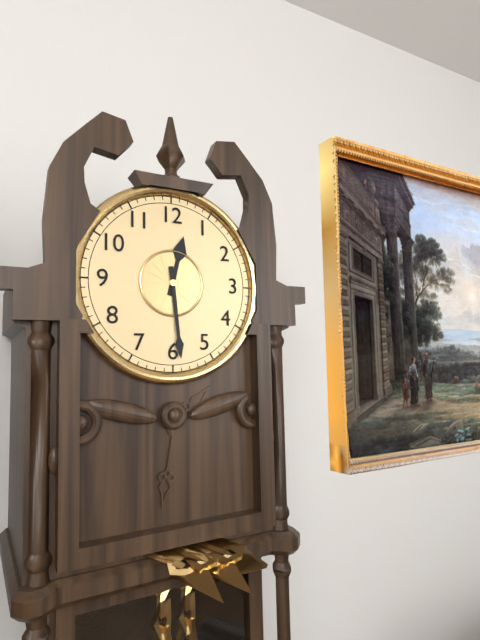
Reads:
12h29
